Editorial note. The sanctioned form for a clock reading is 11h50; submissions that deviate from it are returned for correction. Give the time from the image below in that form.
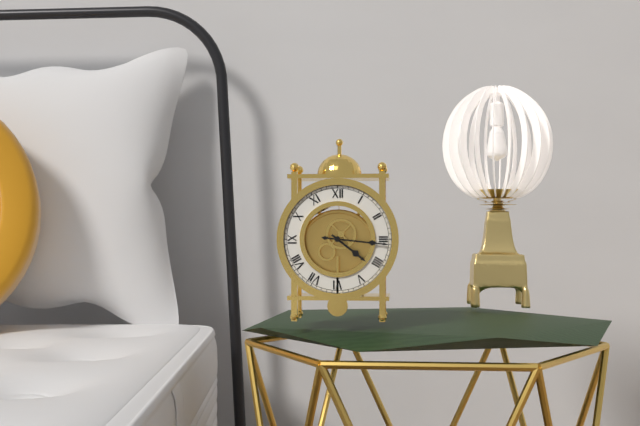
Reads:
4h16
